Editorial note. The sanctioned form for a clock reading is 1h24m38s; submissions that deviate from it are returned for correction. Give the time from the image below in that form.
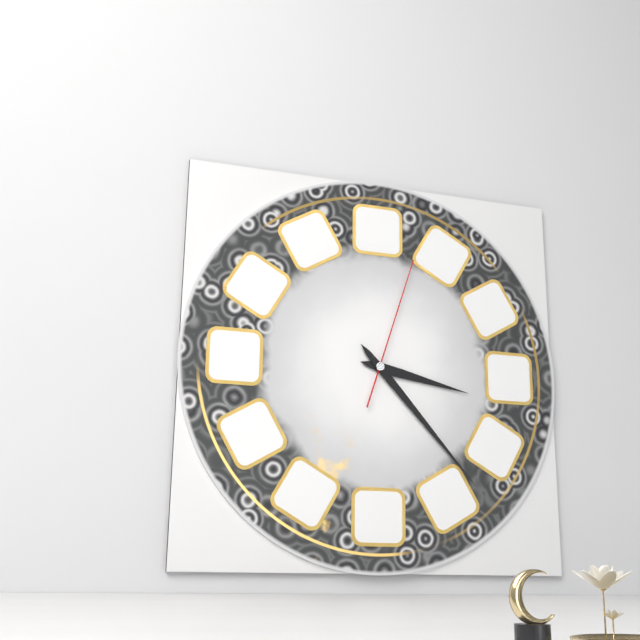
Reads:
3h23m03s
